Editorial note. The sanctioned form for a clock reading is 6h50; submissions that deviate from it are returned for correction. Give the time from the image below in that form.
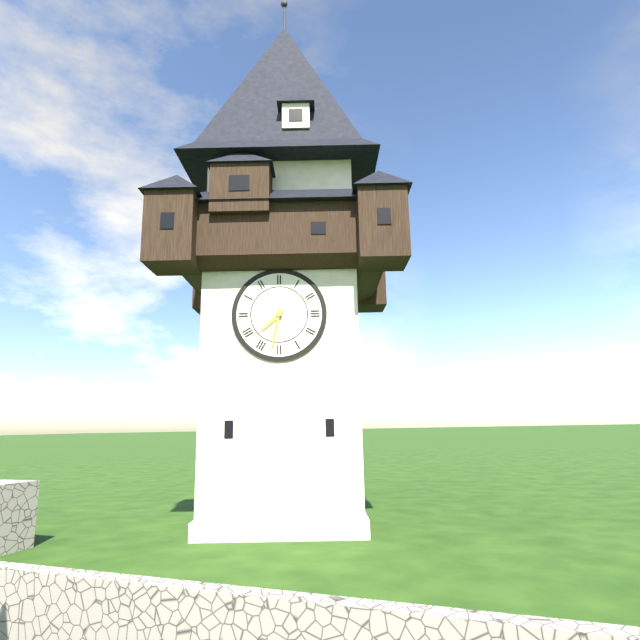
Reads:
7h32
